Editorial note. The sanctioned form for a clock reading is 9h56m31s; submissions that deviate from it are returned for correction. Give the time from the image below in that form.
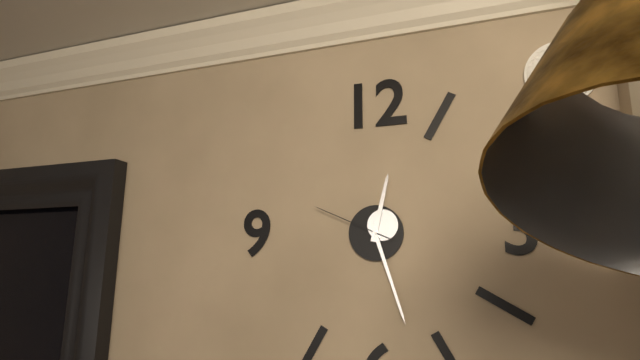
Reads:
12h27m49s
